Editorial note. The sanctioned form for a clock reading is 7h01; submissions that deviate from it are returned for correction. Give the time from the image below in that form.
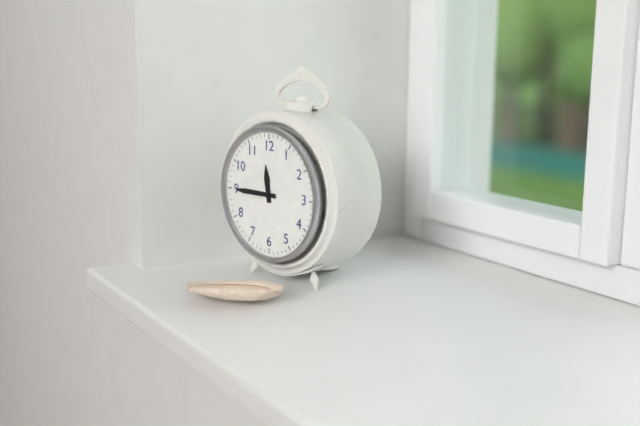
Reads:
11h45
